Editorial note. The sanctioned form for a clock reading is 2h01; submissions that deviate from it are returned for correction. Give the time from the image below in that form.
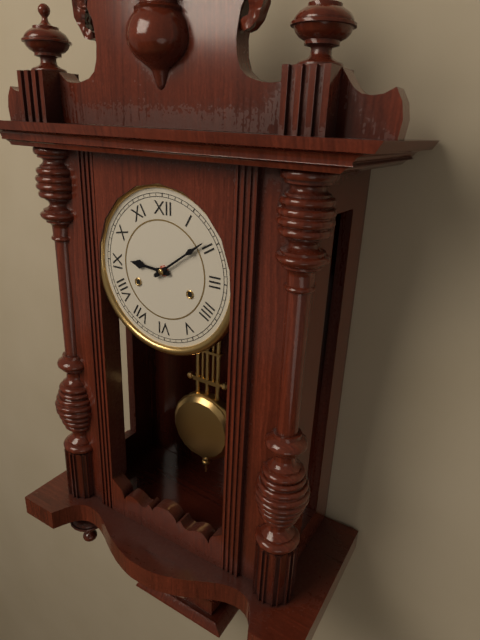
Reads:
9h09
